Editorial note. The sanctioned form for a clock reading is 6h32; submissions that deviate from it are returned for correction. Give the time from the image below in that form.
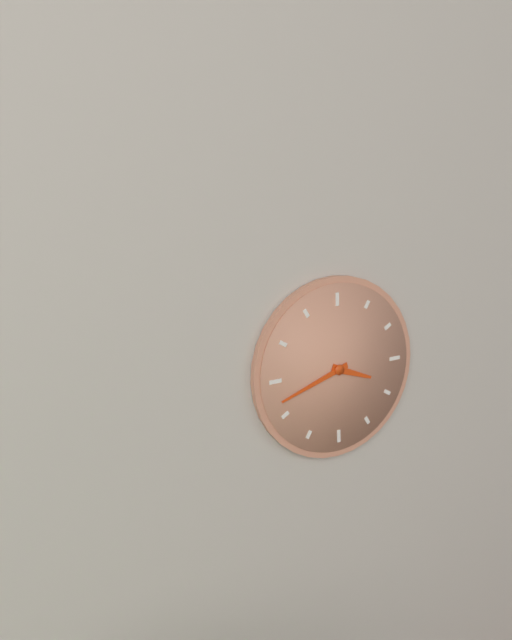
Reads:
3h42
